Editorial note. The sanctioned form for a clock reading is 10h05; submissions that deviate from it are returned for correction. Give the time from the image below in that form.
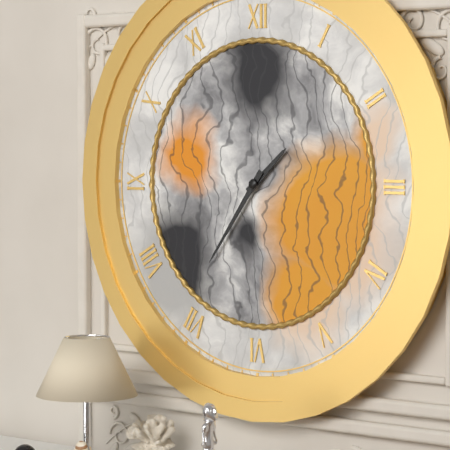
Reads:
1h36
